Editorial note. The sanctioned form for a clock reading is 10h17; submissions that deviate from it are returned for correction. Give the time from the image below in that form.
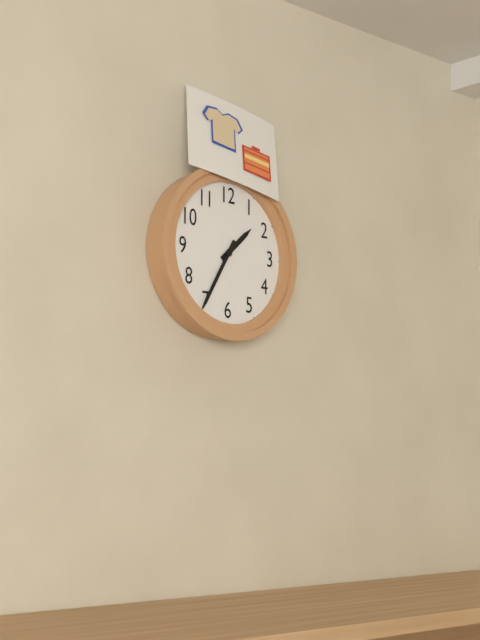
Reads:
1h35
